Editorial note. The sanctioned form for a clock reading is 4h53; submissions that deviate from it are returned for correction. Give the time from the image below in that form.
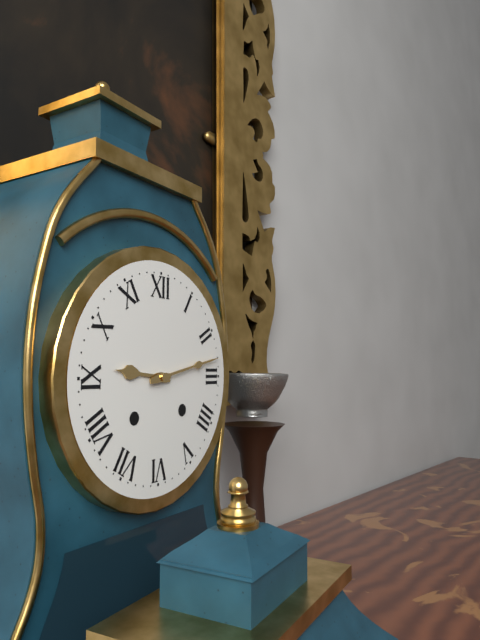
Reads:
9h13
